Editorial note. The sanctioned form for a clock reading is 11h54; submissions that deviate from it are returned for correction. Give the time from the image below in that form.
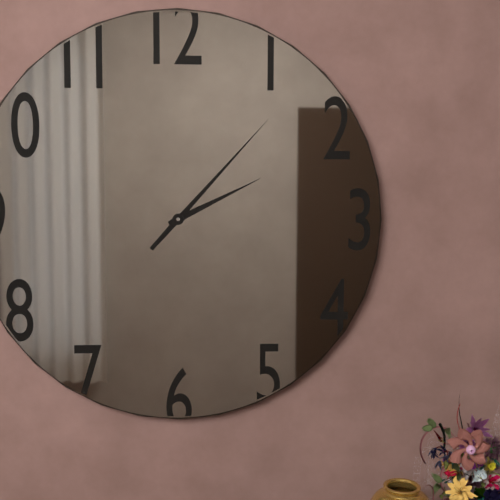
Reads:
2h07
